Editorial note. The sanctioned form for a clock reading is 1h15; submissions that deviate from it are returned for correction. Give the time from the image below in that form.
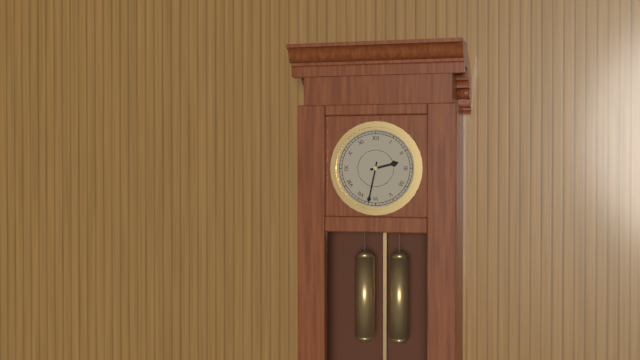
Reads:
2h32
